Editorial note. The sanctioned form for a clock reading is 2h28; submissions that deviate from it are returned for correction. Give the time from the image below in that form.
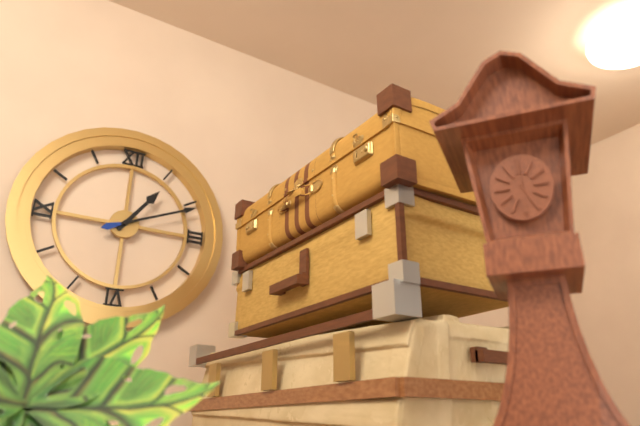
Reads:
1h11
